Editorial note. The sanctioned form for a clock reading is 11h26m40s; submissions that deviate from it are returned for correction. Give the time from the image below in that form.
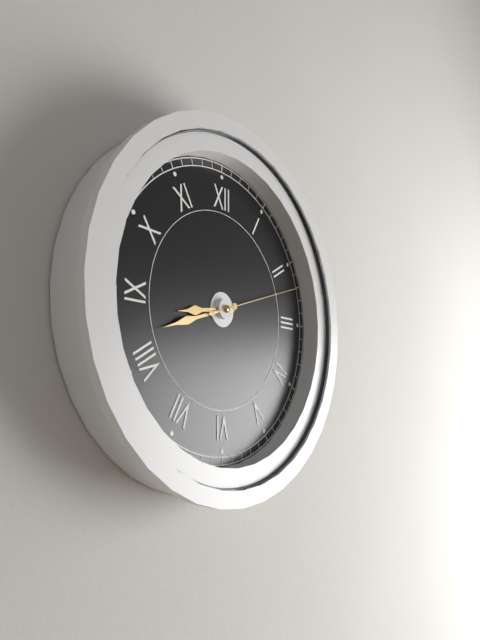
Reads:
8h42m12s
